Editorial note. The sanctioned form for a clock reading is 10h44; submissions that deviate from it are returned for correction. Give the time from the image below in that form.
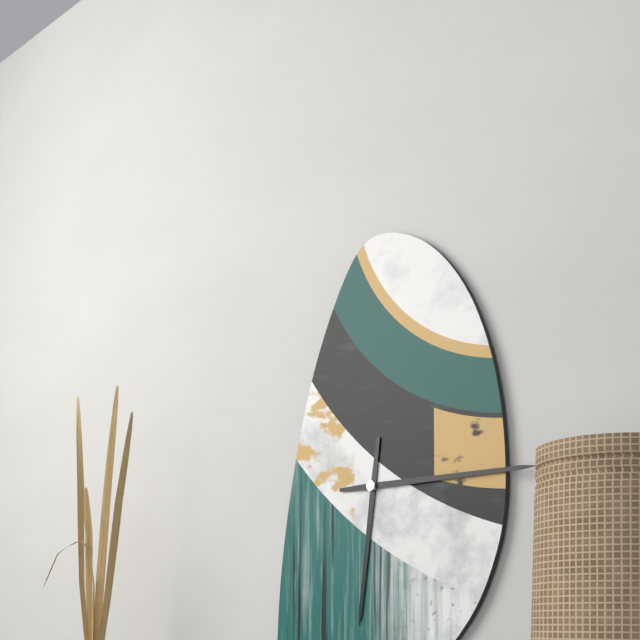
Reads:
6h15
